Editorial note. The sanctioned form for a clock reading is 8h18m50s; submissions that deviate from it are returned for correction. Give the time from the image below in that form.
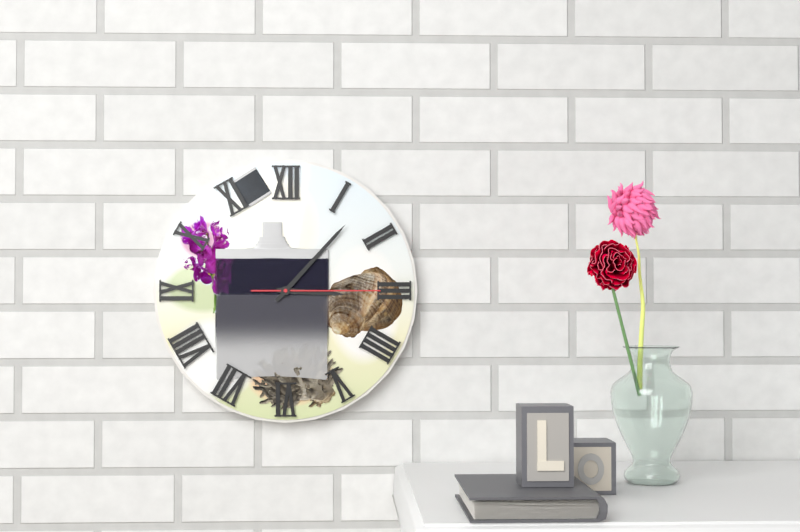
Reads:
3h07m15s
